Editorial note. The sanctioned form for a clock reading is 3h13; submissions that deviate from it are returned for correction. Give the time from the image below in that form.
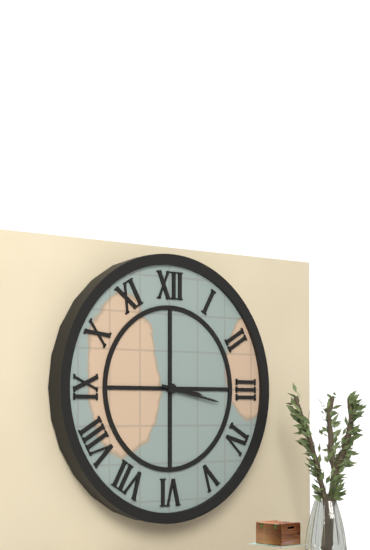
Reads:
3h17
